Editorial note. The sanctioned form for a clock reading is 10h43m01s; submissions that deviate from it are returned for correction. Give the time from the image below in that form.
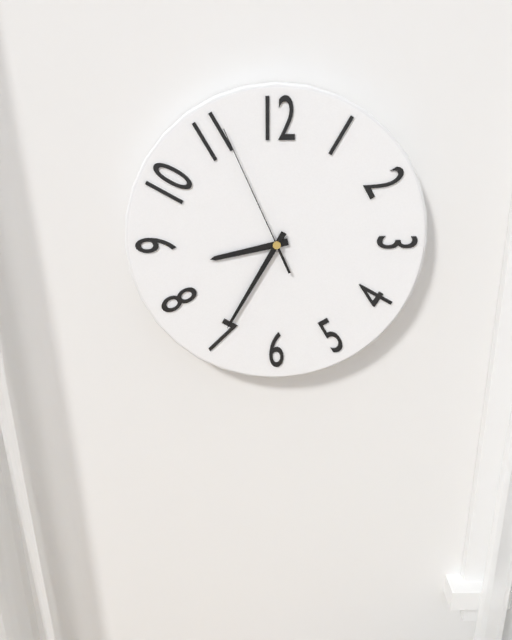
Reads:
8h35m56s
